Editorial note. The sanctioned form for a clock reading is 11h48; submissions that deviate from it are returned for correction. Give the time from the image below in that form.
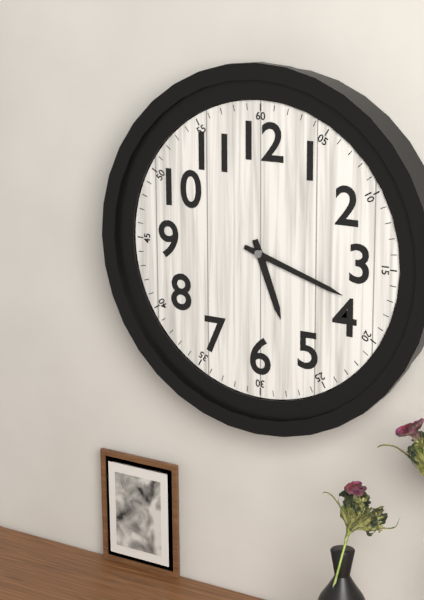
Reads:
5h18
